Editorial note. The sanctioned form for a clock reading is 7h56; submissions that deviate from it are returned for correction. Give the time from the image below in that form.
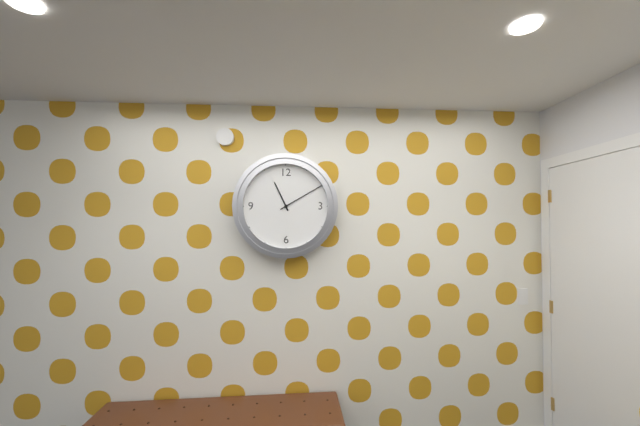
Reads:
11h10
